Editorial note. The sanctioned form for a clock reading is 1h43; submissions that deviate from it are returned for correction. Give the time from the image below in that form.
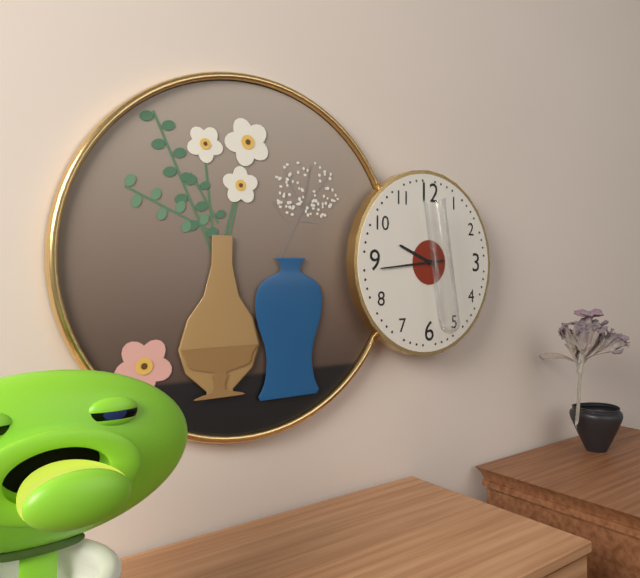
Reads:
9h44
